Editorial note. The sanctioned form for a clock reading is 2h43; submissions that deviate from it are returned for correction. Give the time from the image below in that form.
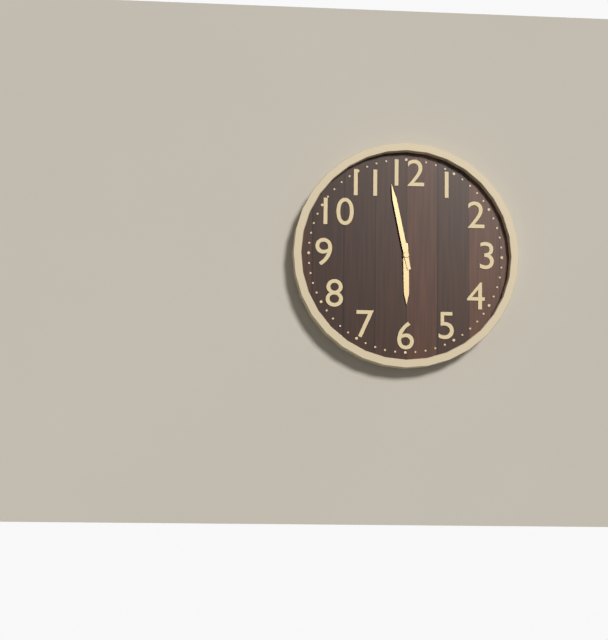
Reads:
5h58
